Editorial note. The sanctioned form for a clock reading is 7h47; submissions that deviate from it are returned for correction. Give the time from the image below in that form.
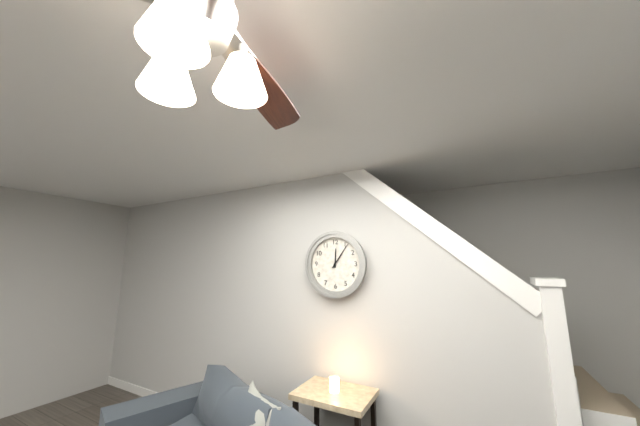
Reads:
12h06
